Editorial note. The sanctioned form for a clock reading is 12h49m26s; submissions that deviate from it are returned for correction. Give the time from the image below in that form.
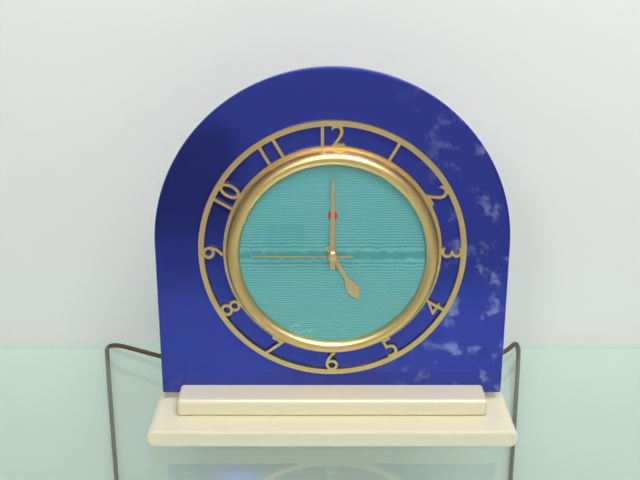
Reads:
5h00m45s
